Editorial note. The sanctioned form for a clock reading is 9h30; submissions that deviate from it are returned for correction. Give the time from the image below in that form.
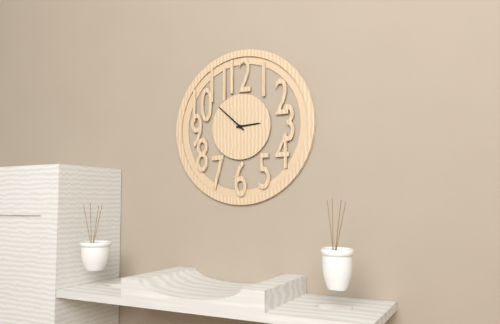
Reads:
2h52
